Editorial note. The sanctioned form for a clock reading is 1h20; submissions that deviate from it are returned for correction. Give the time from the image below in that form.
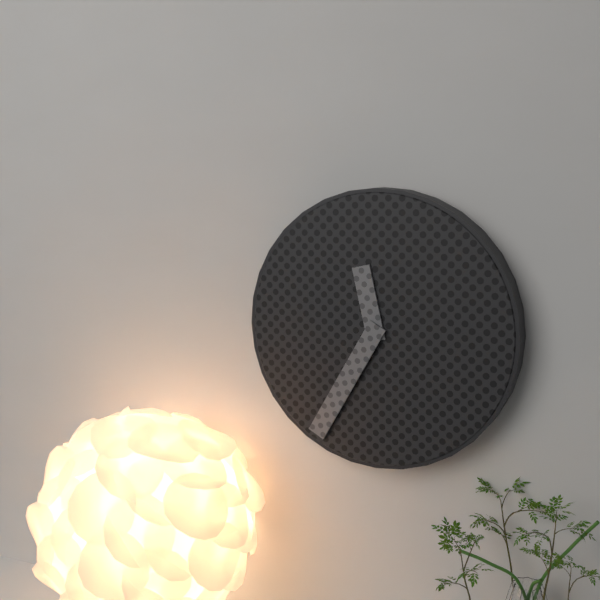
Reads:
11h35
